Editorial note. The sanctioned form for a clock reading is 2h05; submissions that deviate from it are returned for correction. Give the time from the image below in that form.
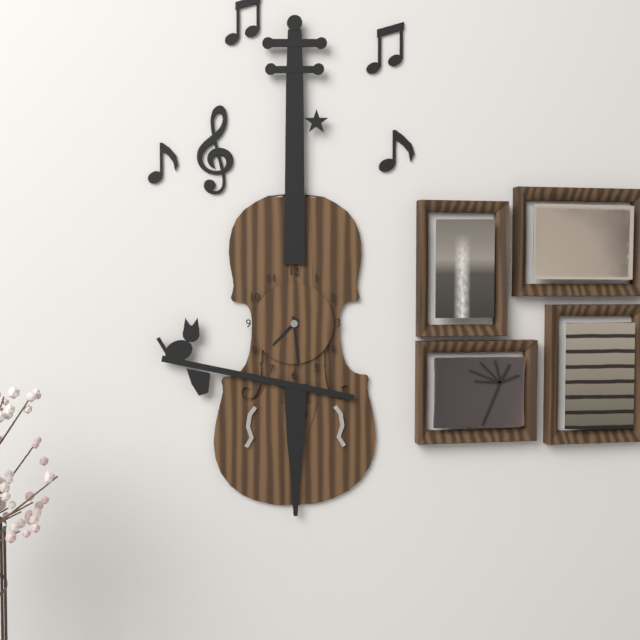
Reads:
7h29
